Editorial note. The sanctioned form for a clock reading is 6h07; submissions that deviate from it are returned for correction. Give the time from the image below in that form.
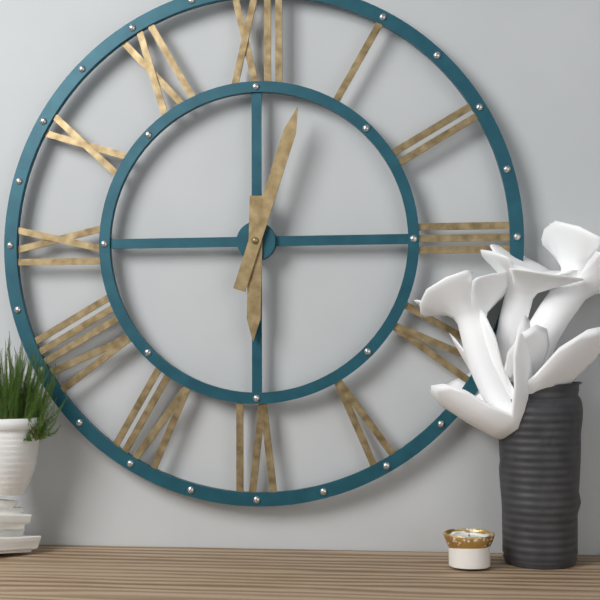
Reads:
6h03
